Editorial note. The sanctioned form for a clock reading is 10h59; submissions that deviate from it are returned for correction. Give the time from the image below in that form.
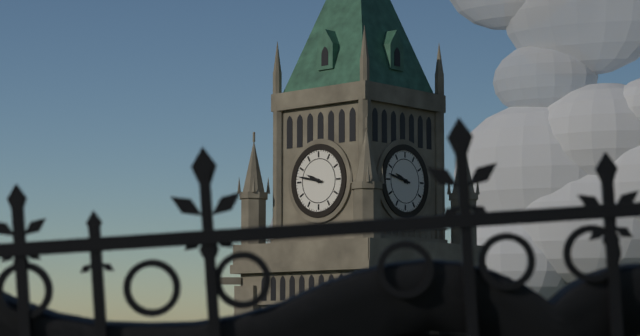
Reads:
9h47
